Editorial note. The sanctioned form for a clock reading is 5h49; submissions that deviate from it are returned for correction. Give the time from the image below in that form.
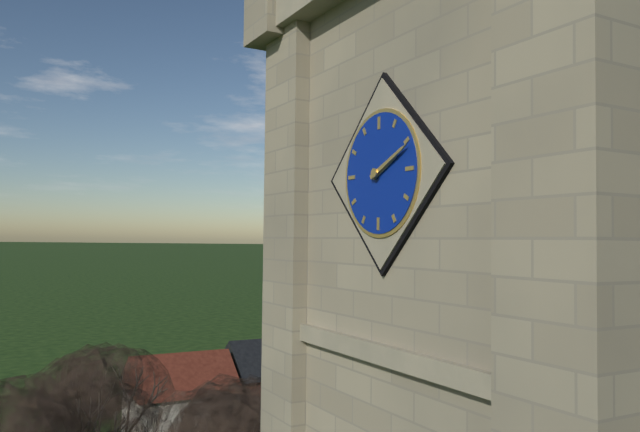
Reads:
2h11
